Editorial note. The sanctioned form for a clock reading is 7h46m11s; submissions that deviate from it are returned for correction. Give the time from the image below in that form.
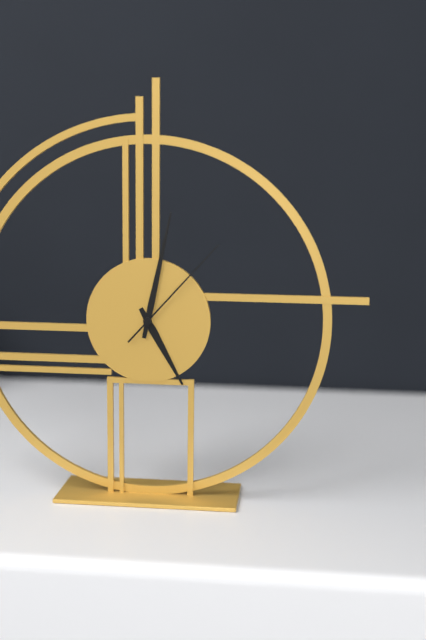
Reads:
5h02m07s
